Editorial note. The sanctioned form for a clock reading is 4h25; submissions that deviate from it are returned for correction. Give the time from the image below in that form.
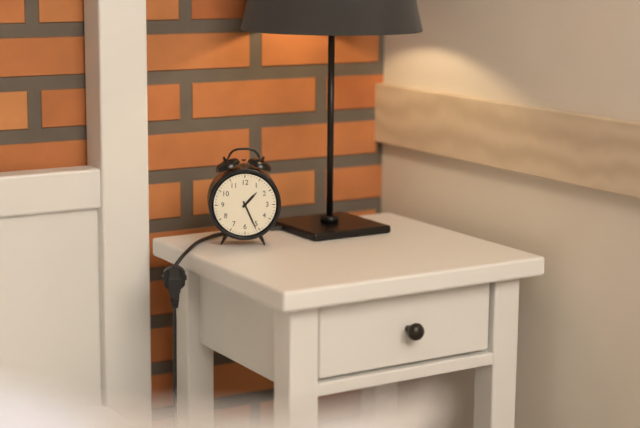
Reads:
1h26
